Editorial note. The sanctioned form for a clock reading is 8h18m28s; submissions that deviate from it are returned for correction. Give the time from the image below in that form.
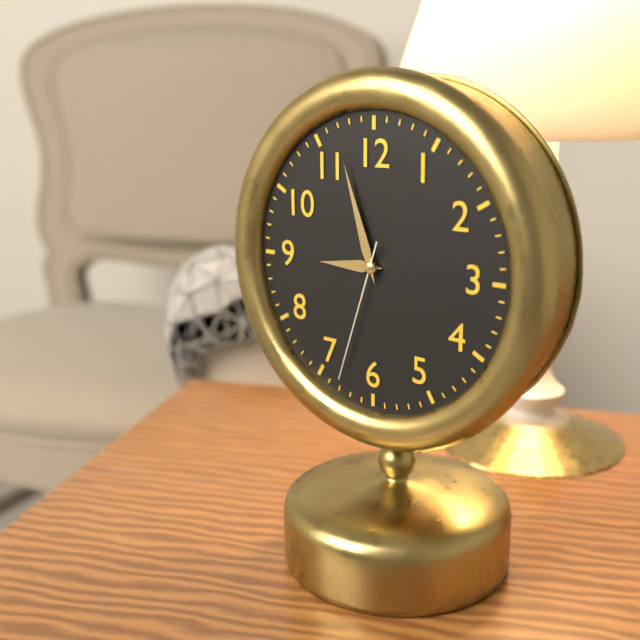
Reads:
8h57m33s
